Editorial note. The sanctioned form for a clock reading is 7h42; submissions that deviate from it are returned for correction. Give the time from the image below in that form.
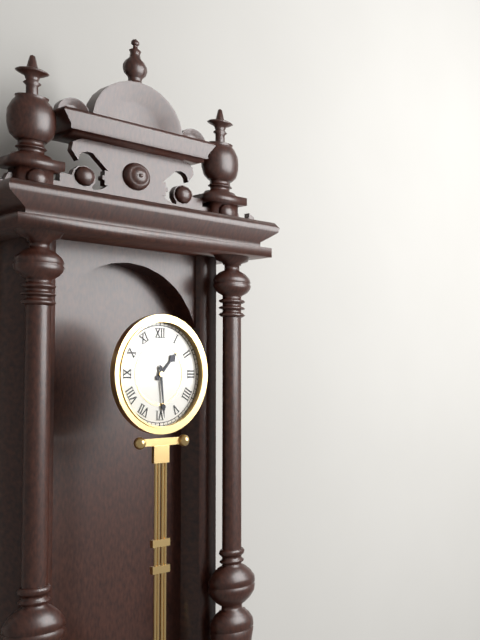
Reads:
1h29
